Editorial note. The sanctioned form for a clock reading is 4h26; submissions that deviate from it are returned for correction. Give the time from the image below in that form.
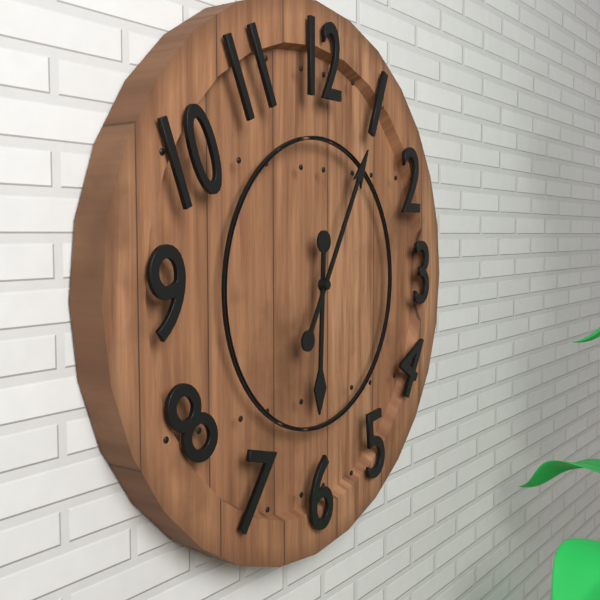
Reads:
6h05
